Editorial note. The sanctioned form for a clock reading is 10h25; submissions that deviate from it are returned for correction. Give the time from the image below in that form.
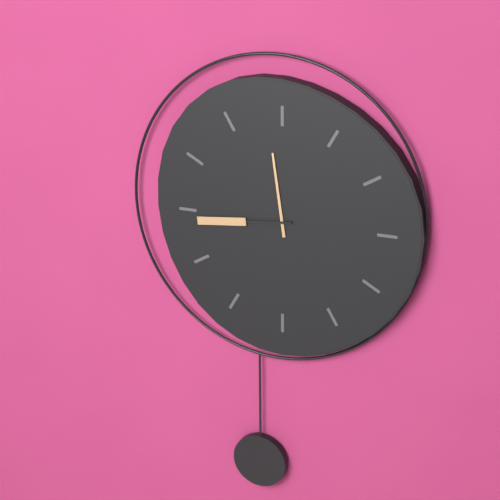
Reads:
11h44
